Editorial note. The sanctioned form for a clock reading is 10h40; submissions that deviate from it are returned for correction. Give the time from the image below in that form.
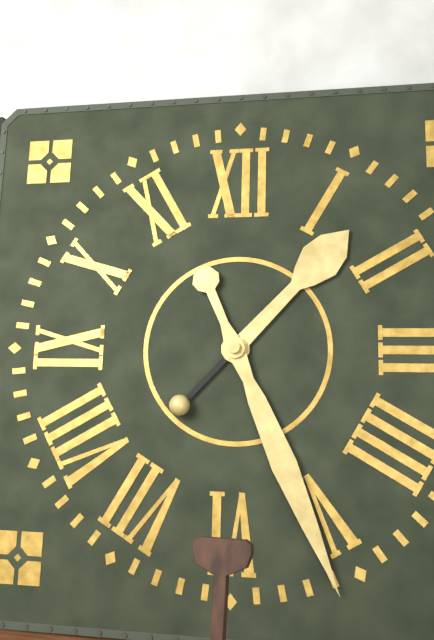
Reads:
1h26
